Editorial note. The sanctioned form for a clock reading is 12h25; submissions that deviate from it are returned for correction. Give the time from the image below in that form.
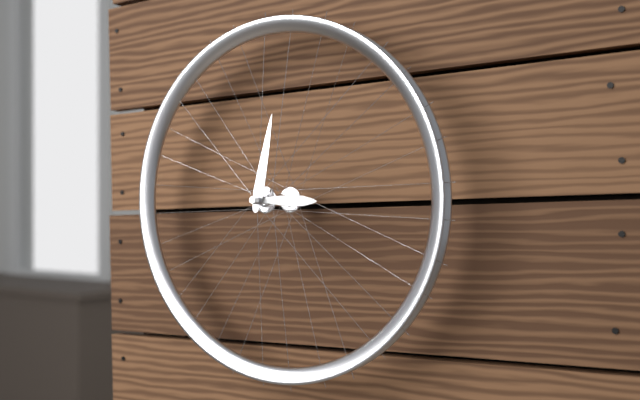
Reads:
3h02
